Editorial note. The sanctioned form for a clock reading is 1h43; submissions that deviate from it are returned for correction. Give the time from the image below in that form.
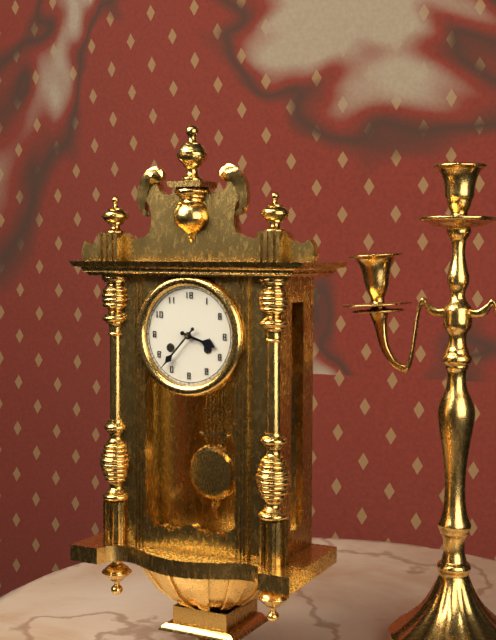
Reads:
3h37
